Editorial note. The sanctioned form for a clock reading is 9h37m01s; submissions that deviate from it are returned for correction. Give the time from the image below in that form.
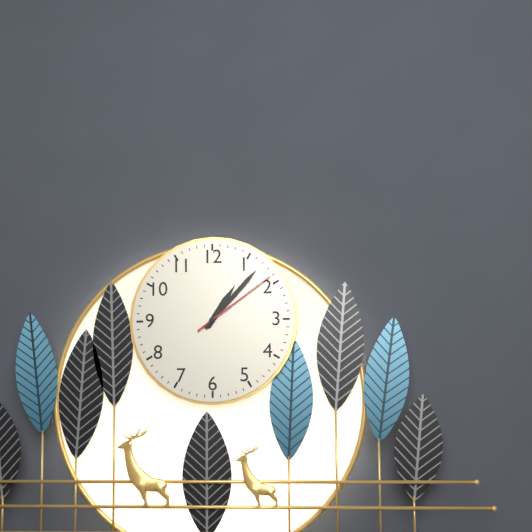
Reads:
1h07m09s
